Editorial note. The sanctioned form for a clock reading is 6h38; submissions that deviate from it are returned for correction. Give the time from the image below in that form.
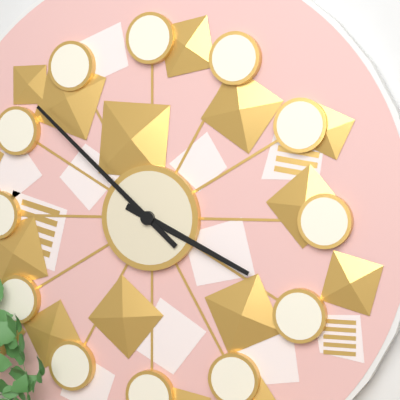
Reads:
3h52
